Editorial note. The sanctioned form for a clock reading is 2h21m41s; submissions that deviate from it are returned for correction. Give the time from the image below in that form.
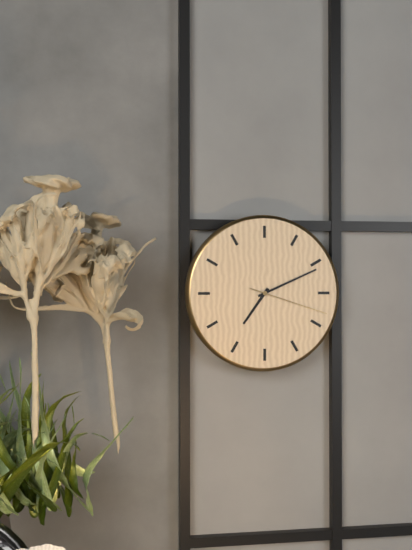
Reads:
7h11m18s
